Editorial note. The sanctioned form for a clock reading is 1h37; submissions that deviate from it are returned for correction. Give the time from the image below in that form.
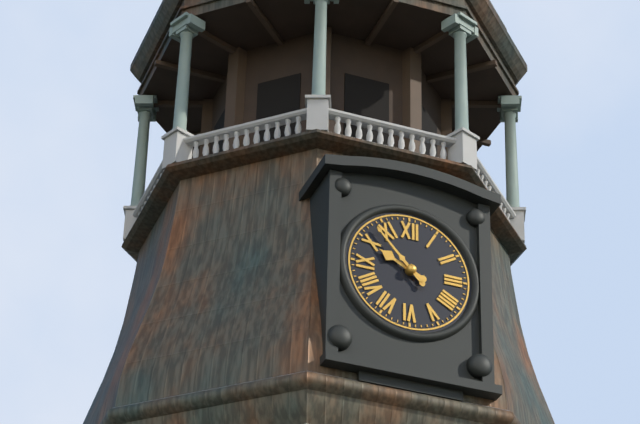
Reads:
9h53
